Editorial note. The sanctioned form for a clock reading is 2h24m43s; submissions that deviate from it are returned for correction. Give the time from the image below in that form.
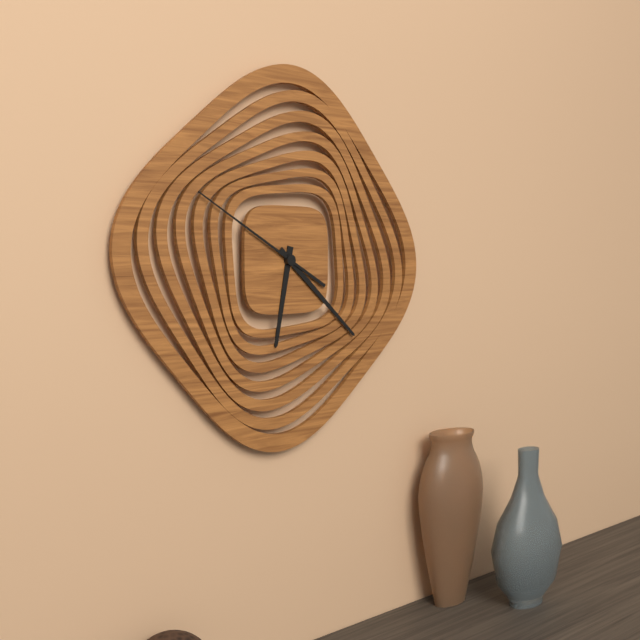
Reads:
6h22m50s
